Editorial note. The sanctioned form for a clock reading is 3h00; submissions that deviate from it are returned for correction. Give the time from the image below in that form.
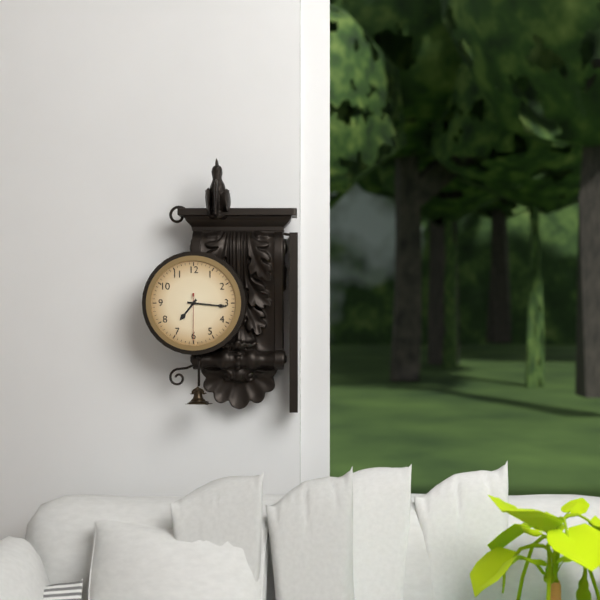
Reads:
7h16
